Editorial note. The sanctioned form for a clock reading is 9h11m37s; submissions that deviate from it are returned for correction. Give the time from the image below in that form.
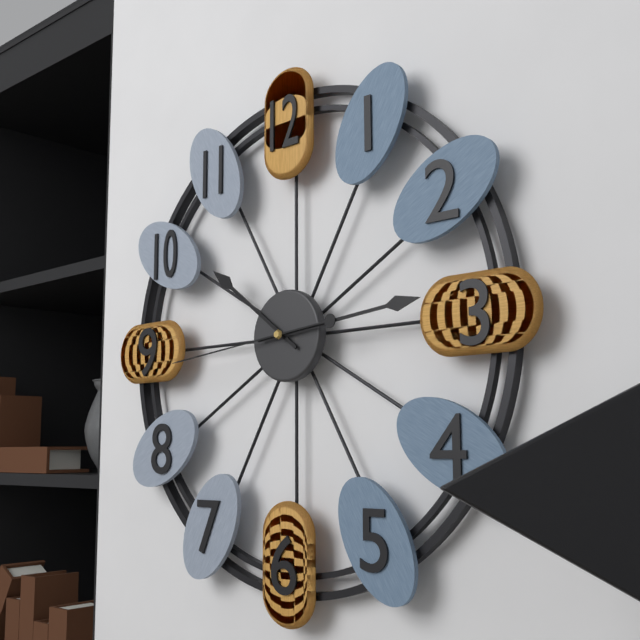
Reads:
10h14m44s
